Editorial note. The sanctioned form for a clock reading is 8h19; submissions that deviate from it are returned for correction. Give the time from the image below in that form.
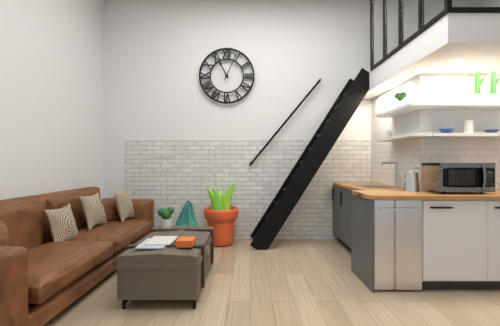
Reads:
11h04
